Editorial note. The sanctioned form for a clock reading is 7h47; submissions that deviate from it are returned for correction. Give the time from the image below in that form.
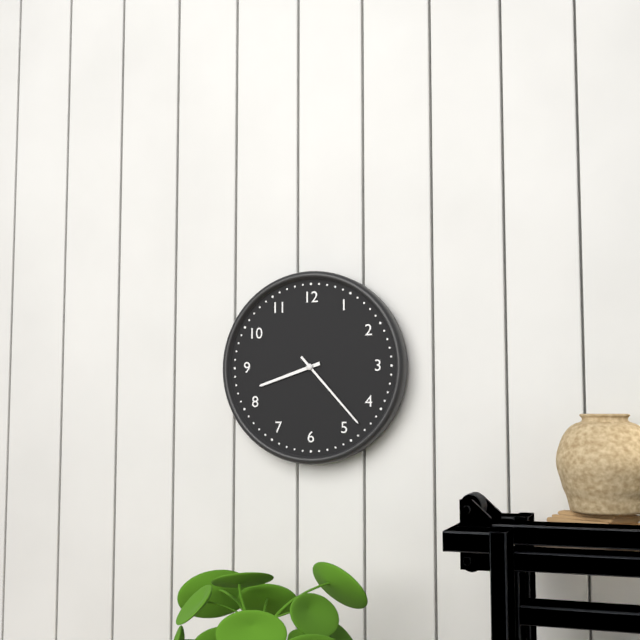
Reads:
8h23
